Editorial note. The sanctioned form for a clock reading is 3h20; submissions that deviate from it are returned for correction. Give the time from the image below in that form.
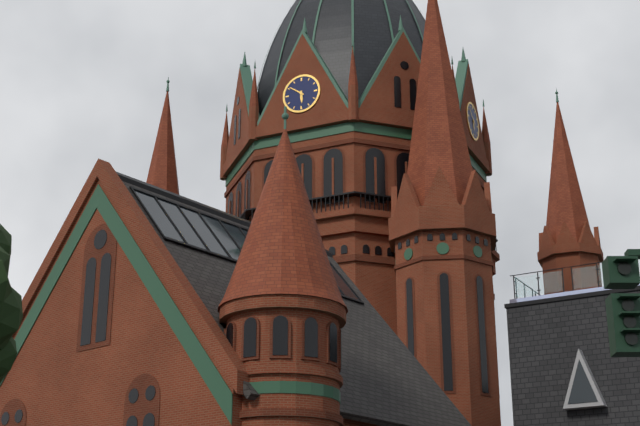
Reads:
5h51
